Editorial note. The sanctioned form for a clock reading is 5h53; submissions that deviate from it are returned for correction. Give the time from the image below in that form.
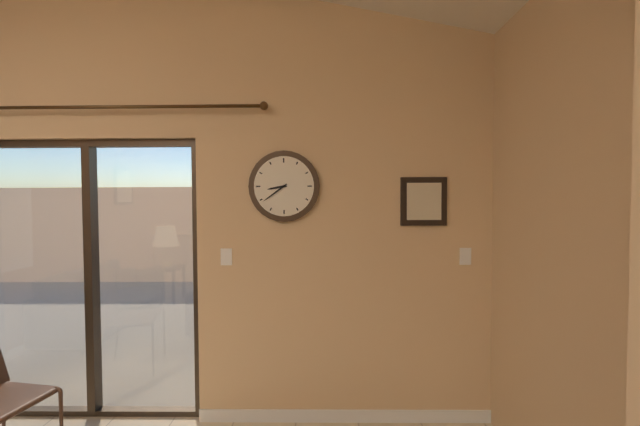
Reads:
8h39
